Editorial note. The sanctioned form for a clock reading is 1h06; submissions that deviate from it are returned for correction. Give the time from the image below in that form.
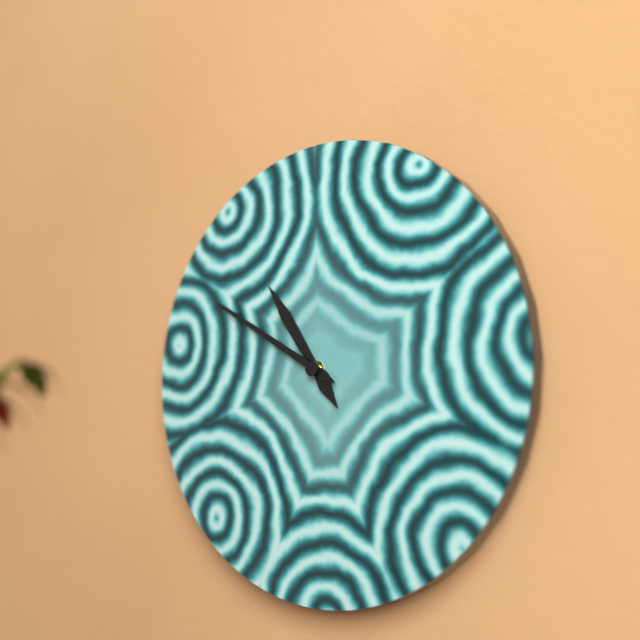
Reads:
10h50
